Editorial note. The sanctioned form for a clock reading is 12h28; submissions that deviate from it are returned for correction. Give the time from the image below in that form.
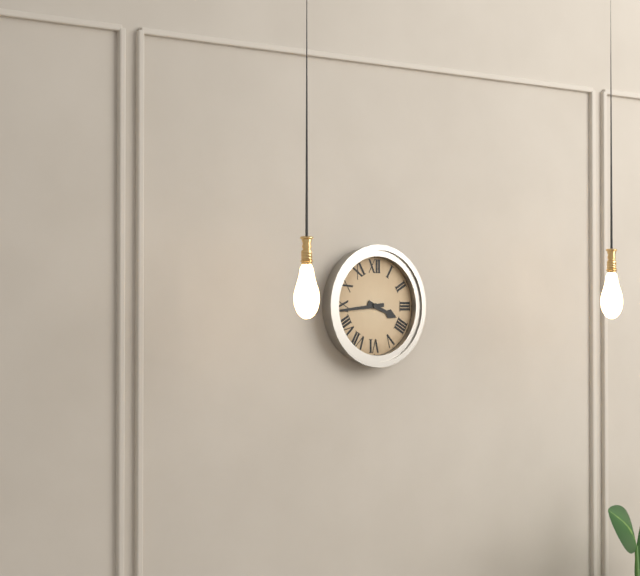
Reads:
3h44
